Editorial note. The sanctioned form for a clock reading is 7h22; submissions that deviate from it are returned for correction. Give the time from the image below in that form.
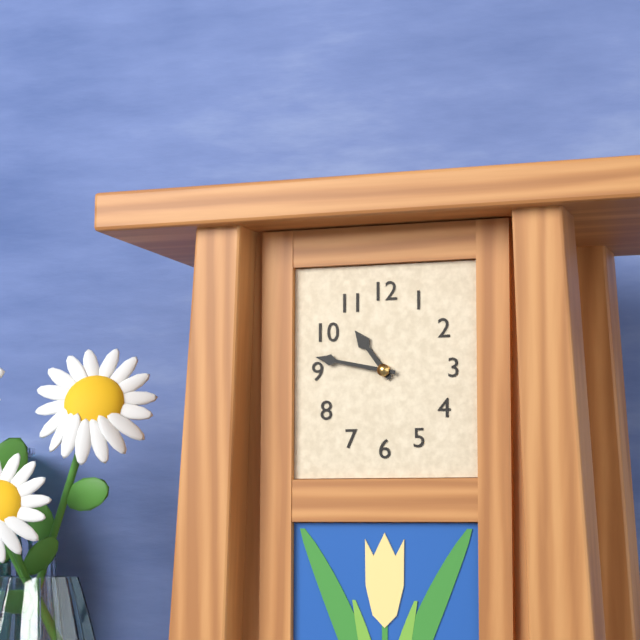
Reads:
10h47
